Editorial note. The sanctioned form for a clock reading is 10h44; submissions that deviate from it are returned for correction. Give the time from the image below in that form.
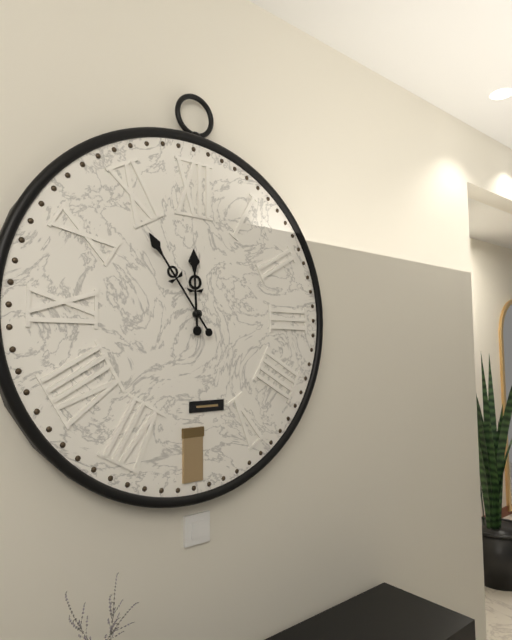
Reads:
11h54
